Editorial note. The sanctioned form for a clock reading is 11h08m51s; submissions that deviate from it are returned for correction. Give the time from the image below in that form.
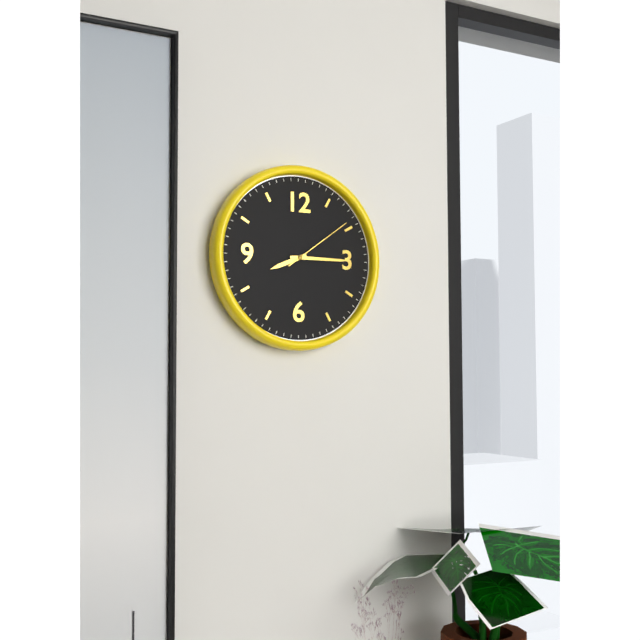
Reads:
8h15m09s
